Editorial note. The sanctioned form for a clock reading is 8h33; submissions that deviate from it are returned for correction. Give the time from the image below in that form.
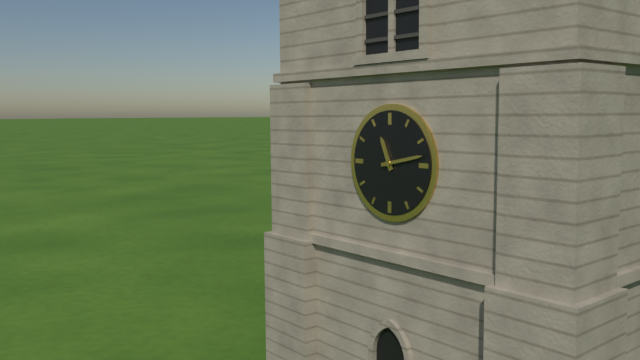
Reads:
11h13
